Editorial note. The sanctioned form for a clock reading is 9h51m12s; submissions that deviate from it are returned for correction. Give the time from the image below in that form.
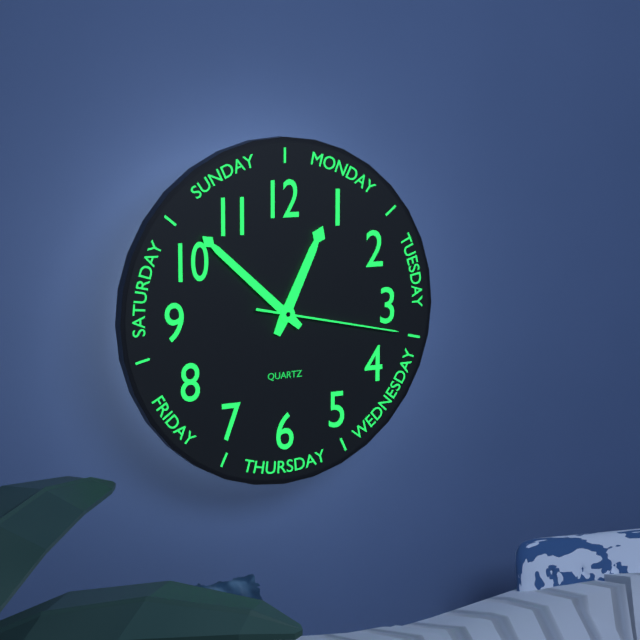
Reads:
12h52m17s
